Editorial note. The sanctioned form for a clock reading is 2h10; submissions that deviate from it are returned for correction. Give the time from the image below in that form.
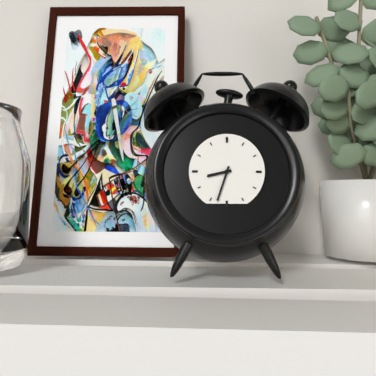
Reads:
8h33
